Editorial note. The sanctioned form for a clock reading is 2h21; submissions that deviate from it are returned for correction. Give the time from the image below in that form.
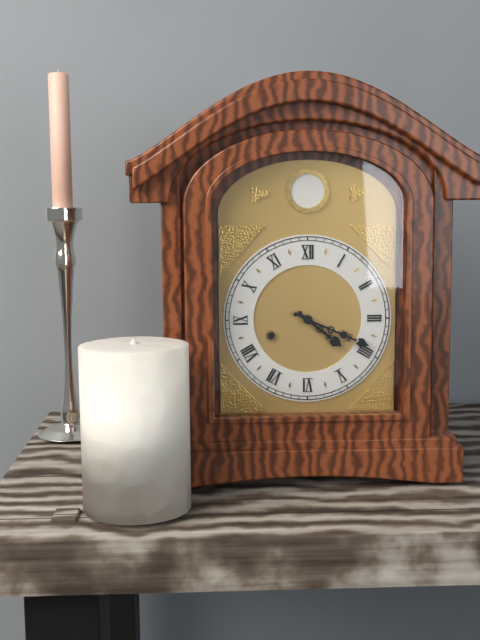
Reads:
4h19
